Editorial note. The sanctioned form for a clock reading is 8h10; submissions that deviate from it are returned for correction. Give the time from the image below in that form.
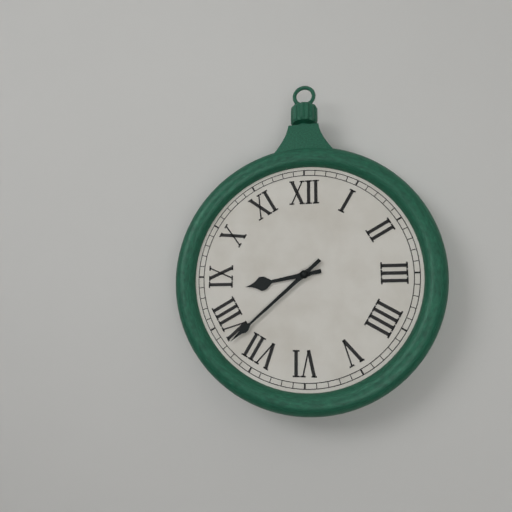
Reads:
8h38
